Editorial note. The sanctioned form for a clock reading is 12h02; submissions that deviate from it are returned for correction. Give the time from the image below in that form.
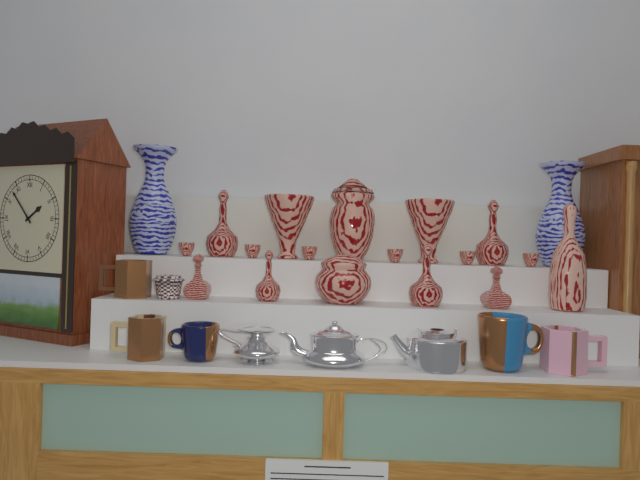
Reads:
1h53
